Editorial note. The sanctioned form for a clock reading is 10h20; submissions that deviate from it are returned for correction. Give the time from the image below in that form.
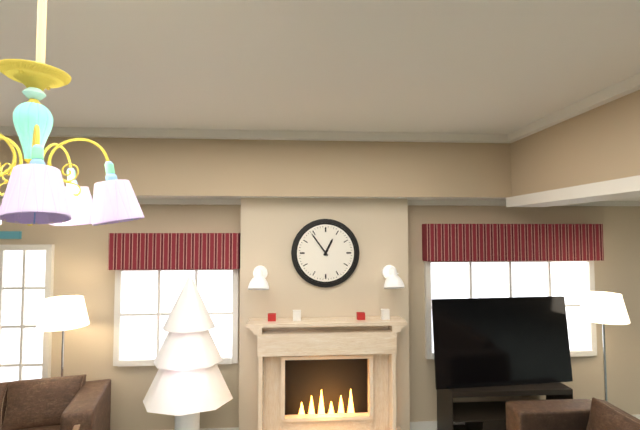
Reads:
12h54
